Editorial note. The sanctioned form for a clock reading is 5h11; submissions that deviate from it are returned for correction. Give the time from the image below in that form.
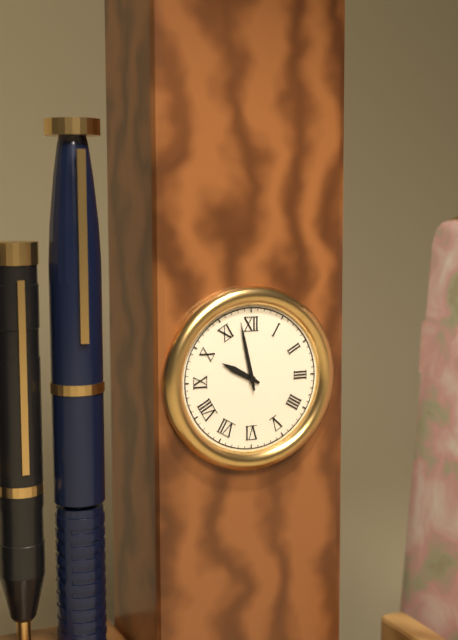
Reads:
9h58
